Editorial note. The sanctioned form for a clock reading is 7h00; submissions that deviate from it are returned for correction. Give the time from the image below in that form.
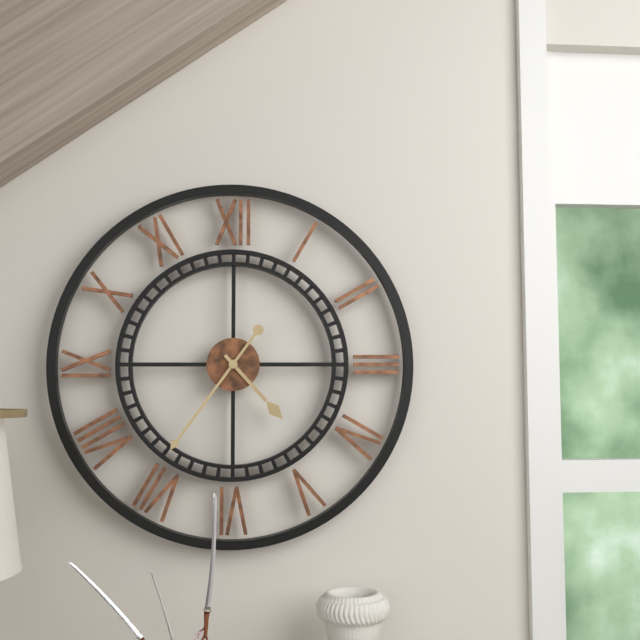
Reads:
4h36
